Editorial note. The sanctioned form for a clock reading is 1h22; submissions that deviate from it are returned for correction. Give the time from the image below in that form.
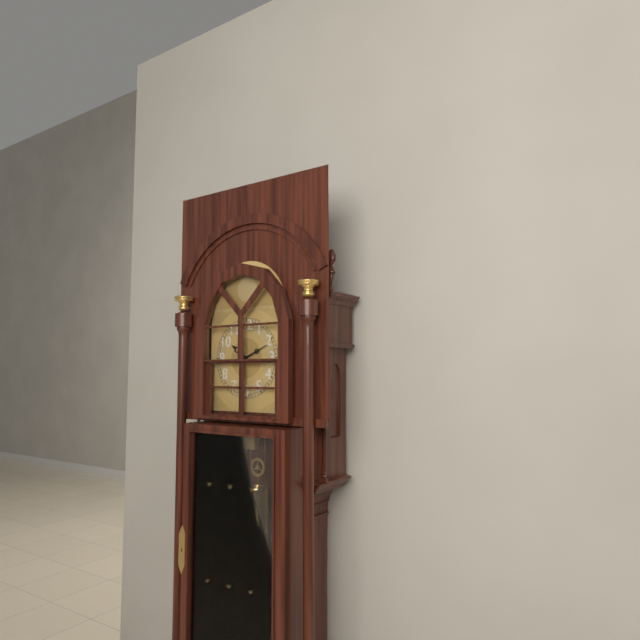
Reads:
10h11
